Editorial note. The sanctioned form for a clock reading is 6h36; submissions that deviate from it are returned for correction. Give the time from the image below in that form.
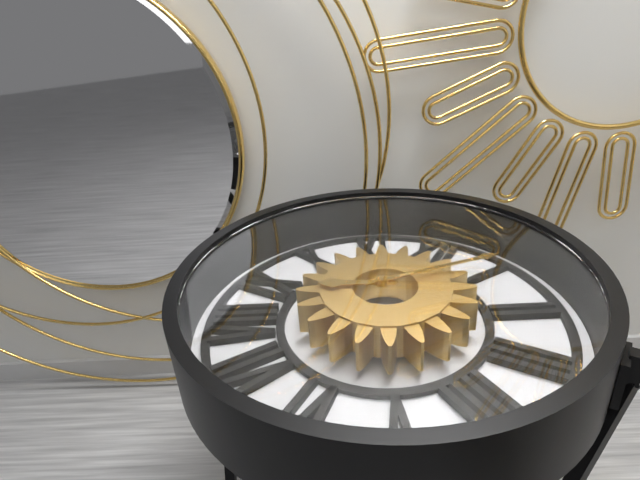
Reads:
8h07
